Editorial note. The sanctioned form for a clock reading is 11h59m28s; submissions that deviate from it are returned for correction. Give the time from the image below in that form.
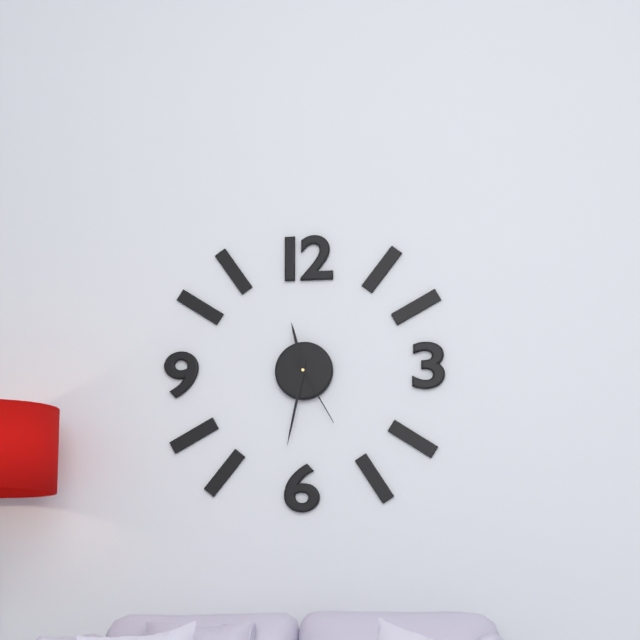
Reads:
11h32m25s
